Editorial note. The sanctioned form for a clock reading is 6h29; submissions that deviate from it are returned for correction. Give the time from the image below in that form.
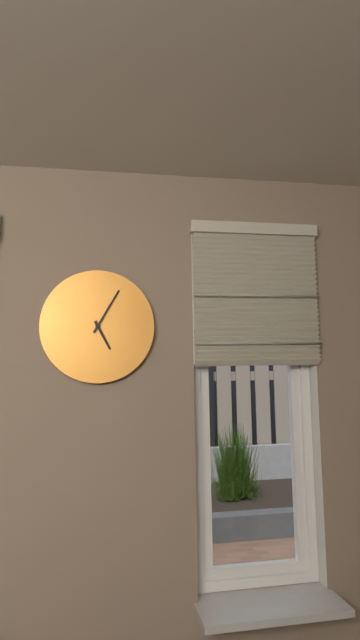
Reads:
5h05
